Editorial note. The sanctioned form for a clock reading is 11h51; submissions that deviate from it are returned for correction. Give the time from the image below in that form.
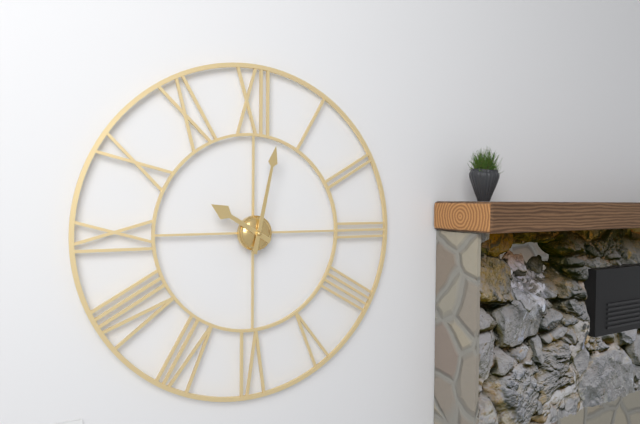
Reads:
10h02
